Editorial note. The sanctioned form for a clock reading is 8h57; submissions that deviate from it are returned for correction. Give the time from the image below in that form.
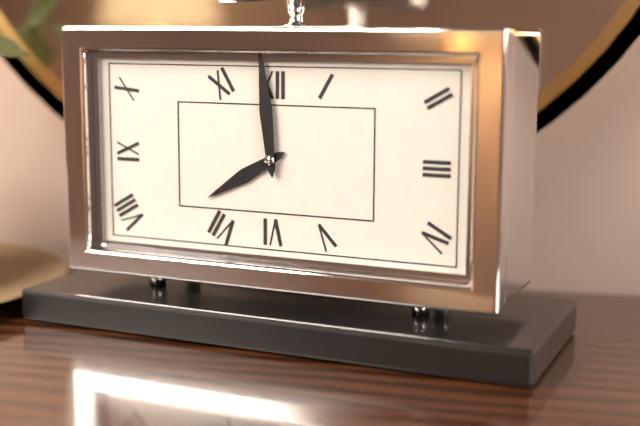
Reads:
7h59
